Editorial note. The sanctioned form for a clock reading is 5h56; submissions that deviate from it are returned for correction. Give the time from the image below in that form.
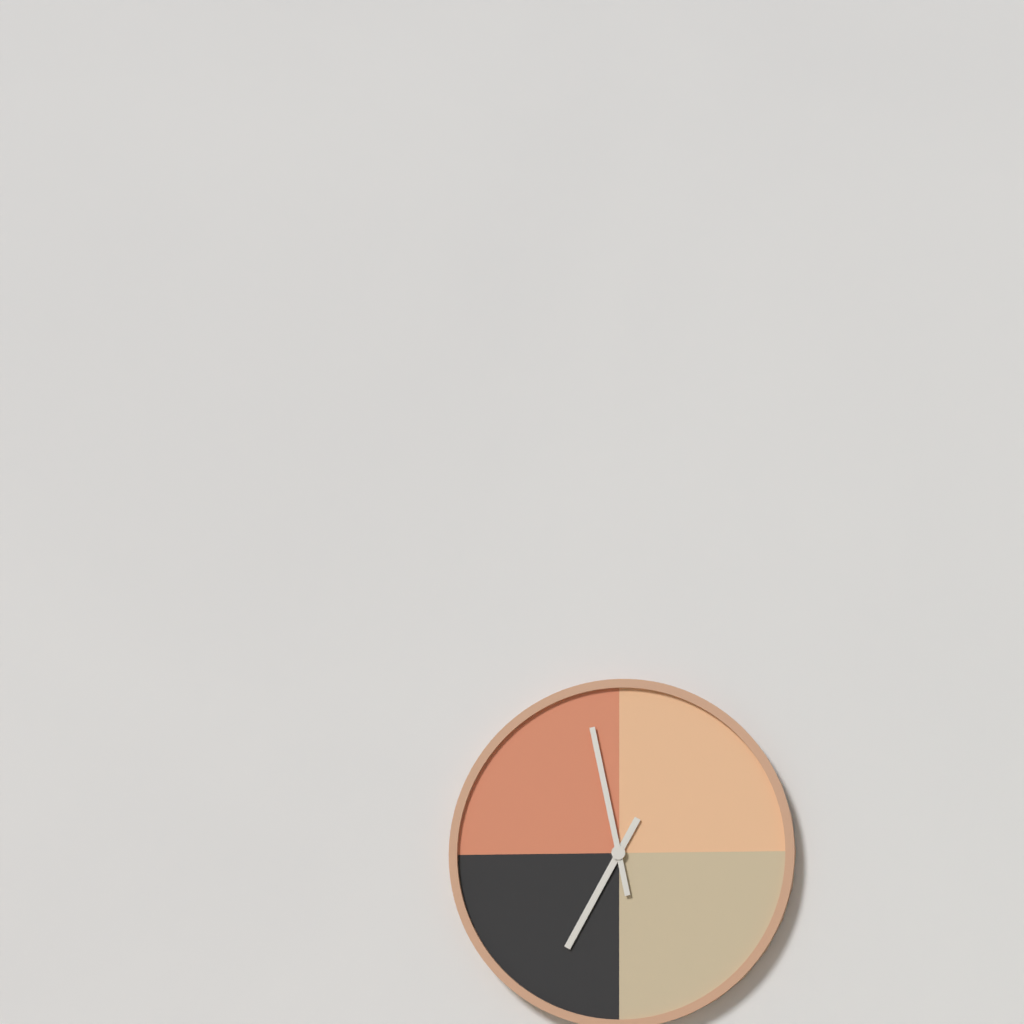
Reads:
6h58
